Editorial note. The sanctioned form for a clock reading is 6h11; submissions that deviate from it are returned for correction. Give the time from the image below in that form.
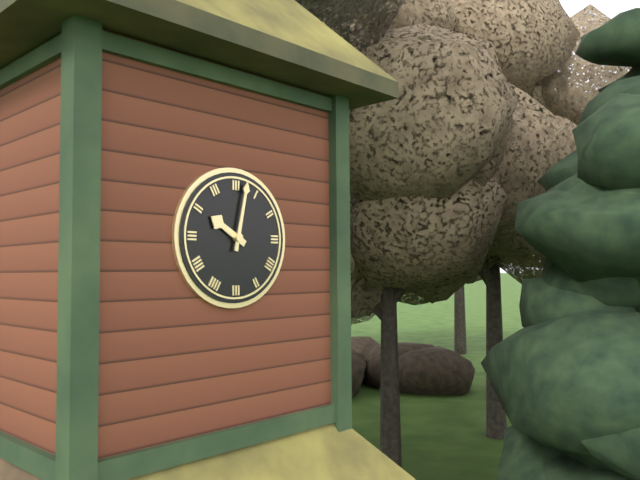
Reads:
10h02
